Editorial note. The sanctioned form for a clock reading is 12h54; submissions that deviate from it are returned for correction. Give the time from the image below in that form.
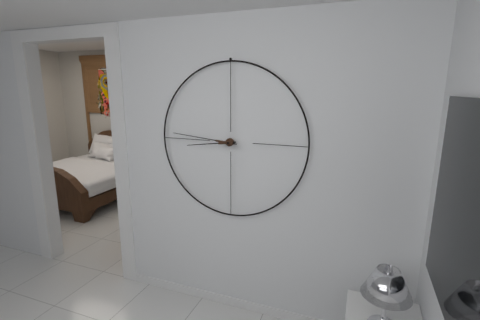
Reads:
8h46
